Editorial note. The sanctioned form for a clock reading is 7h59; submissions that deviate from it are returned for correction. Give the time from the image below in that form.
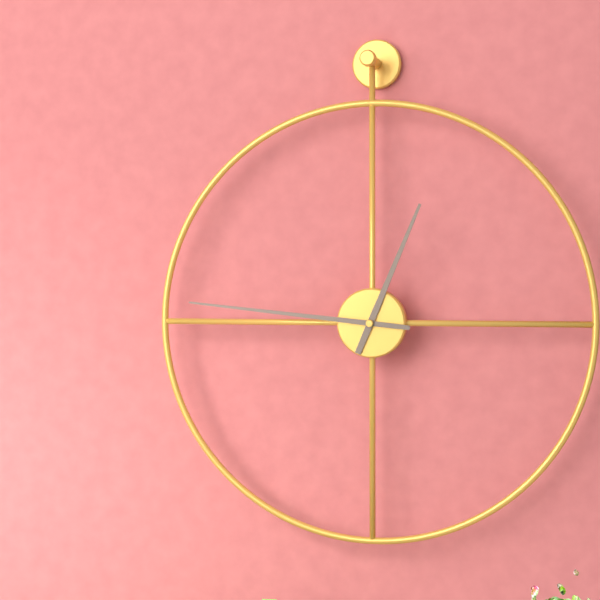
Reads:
12h46
